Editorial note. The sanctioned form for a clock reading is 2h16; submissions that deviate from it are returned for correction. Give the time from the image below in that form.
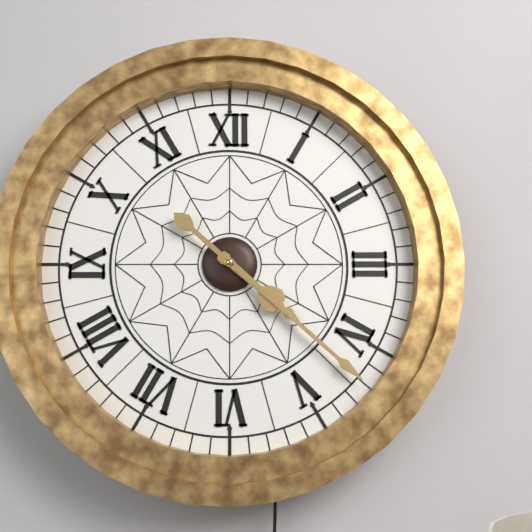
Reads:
4h22
